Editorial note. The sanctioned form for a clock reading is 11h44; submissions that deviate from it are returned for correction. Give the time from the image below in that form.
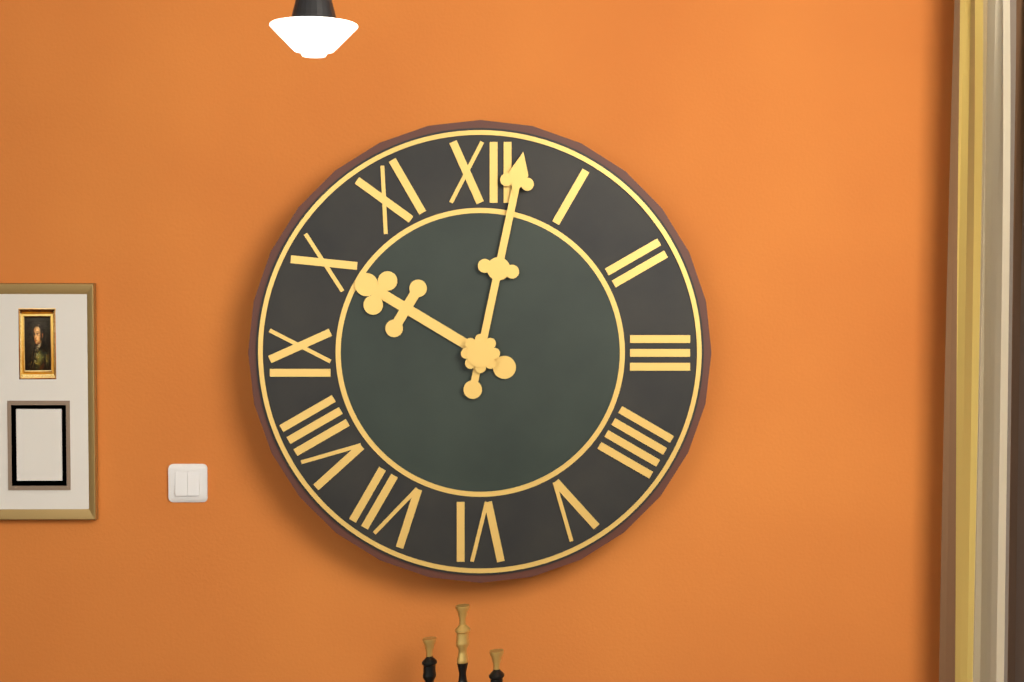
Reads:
10h02
